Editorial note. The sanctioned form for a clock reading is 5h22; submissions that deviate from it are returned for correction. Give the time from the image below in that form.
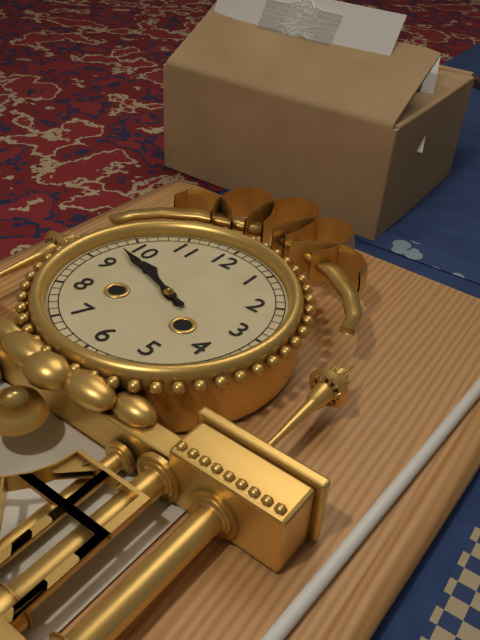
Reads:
9h48
